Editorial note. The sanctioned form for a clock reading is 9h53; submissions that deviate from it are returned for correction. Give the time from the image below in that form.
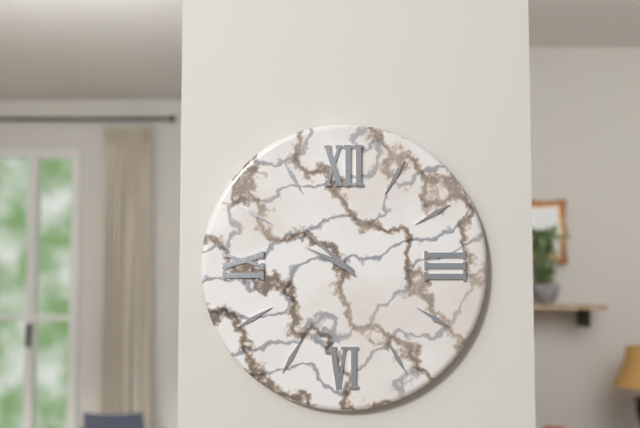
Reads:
9h52
